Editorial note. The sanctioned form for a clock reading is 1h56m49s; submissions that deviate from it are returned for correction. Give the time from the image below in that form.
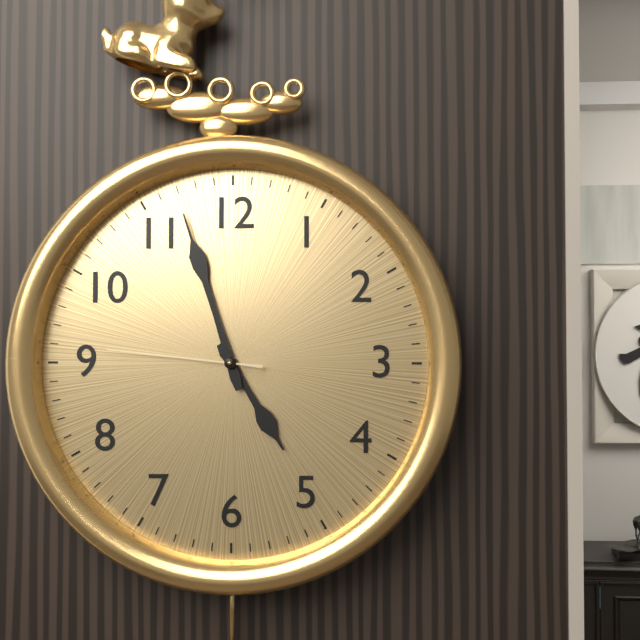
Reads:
4h57m46s
